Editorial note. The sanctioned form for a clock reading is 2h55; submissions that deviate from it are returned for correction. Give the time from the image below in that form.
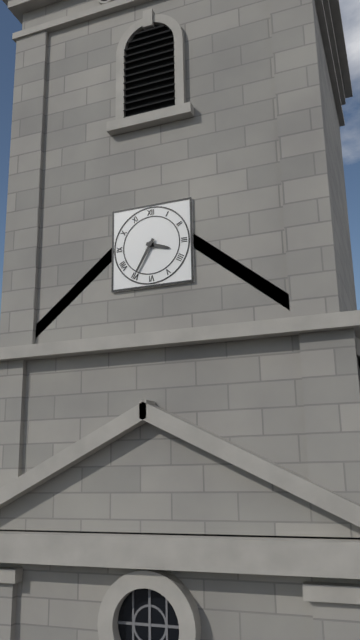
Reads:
3h35
